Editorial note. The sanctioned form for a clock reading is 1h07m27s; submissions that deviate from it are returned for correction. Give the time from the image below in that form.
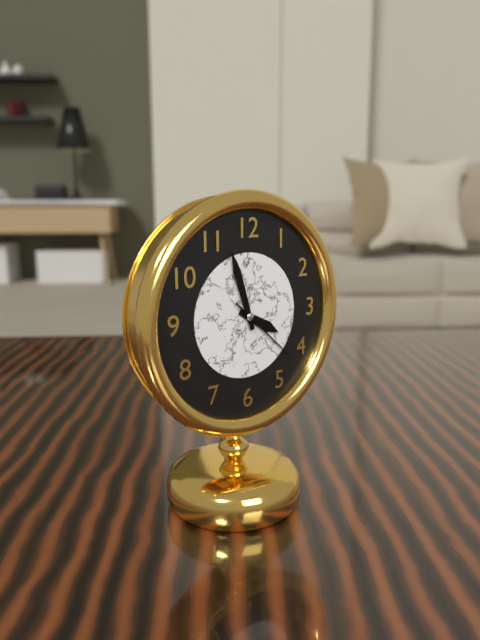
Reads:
3h57m22s
